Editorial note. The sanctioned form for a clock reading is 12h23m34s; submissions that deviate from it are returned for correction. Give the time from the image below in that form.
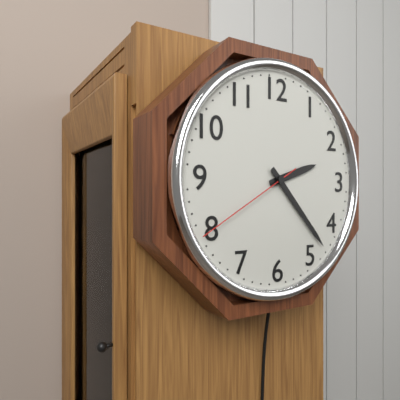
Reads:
2h23m40s
